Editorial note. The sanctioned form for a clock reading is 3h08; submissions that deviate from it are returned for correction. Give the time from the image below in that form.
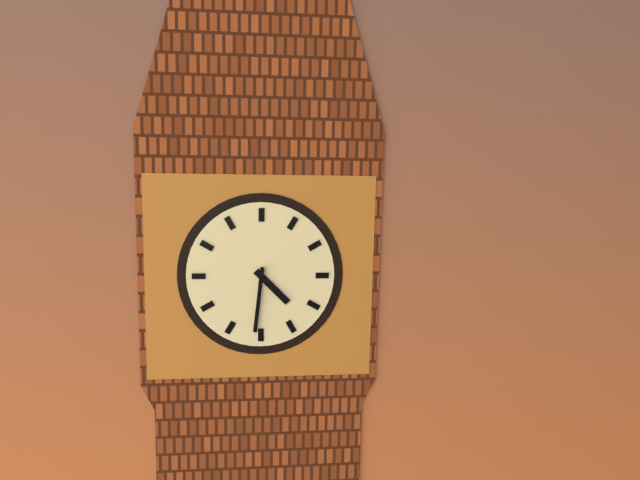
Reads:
4h31
